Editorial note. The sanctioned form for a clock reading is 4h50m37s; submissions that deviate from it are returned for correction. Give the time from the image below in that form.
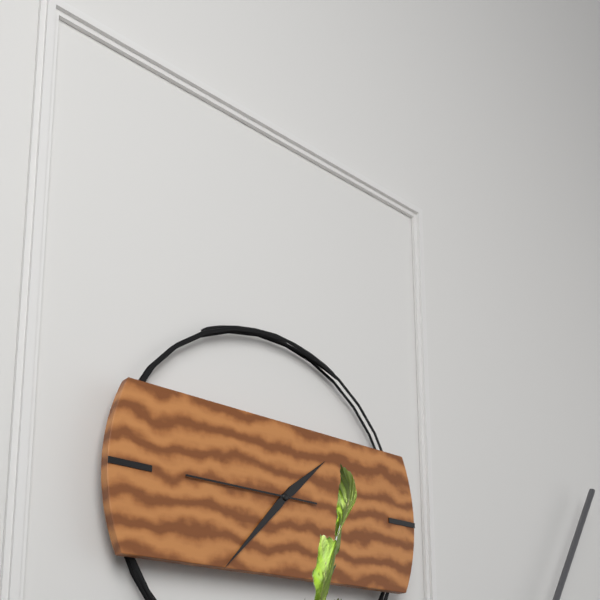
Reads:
1h37m45s
